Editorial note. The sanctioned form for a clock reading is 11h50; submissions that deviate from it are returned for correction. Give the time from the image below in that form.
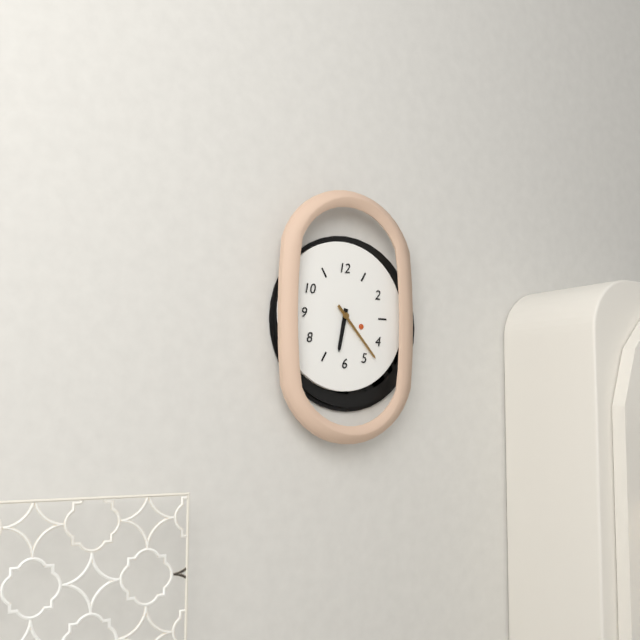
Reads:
6h23
